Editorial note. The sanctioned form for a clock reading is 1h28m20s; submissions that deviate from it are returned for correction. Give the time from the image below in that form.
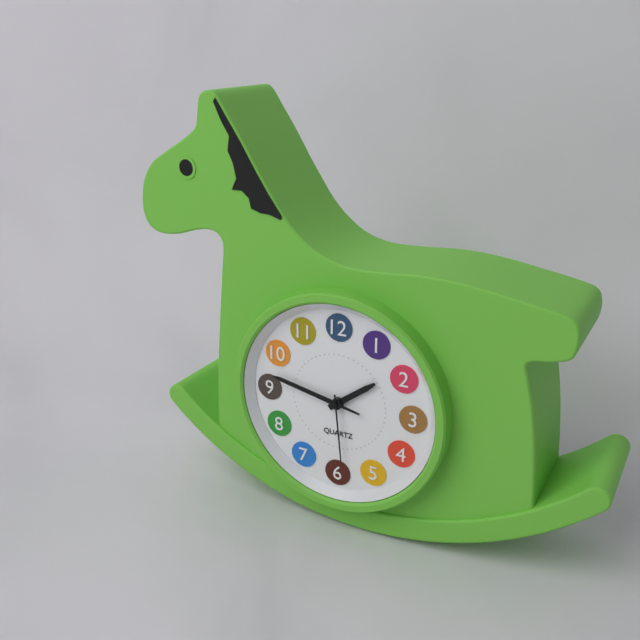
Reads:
1h47m29s
